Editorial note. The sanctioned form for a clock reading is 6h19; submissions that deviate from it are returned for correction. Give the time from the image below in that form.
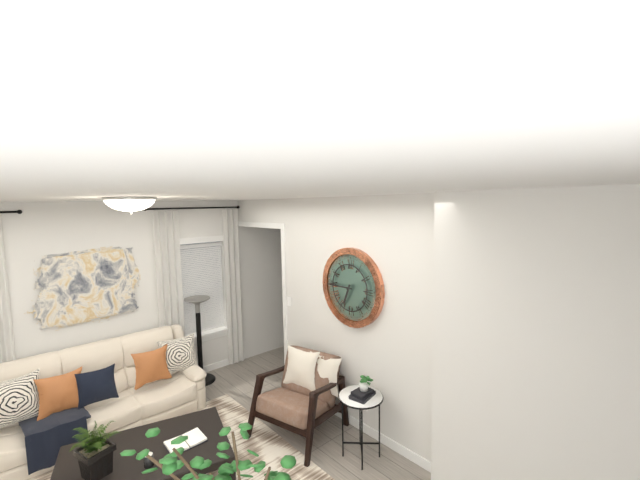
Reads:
6h45
